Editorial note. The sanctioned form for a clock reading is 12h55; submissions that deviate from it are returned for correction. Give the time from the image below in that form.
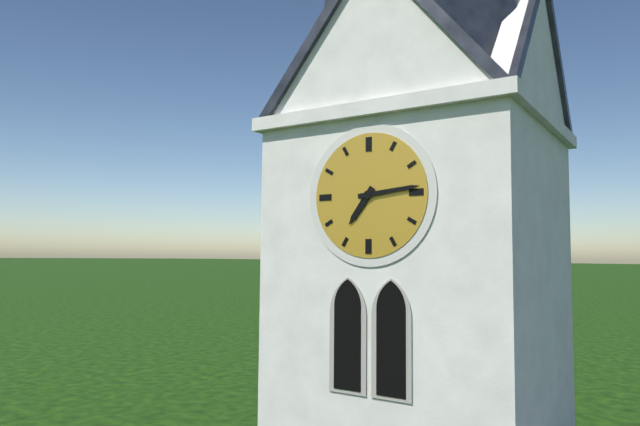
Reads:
7h14
